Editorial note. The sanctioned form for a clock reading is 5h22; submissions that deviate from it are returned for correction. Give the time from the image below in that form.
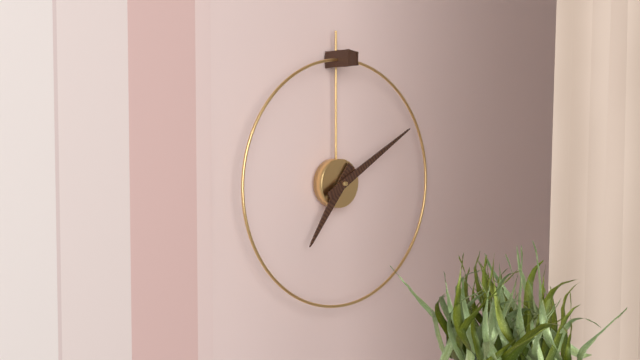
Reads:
7h10
